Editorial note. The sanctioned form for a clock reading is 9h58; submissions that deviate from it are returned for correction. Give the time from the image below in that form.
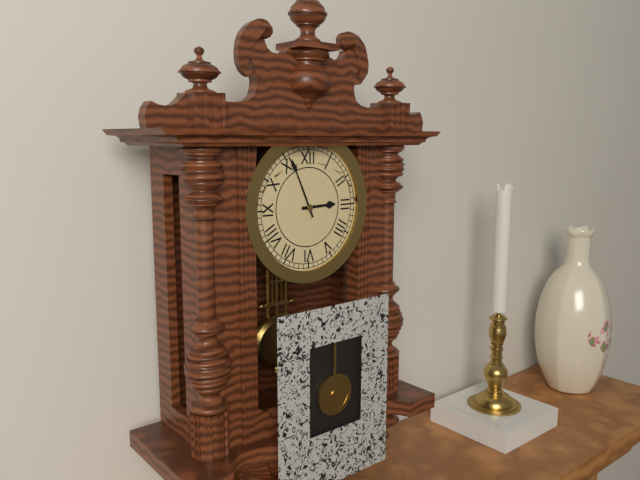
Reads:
2h56
